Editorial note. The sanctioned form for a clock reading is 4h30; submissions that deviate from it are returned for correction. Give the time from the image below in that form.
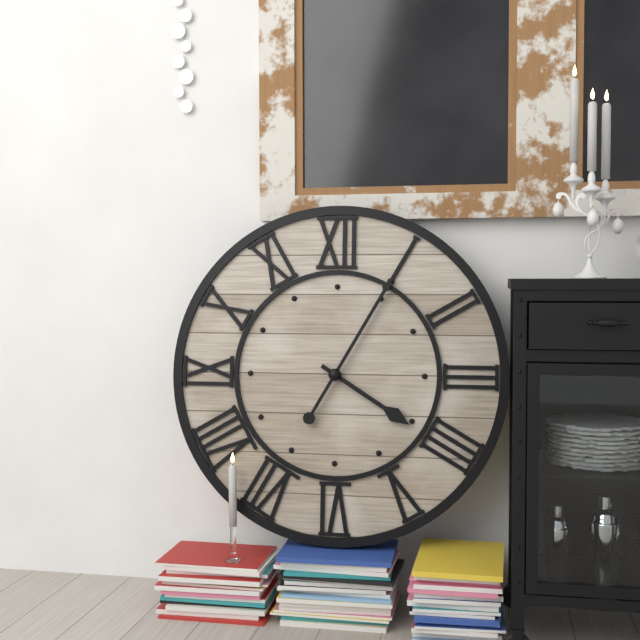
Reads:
4h05
